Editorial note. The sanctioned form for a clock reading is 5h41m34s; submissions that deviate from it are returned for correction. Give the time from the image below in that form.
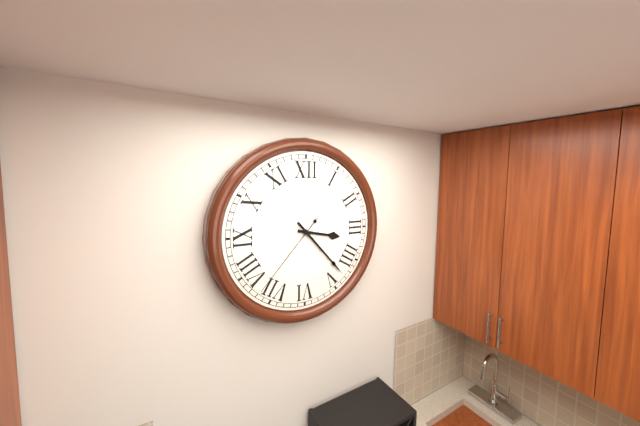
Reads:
3h23m37s
